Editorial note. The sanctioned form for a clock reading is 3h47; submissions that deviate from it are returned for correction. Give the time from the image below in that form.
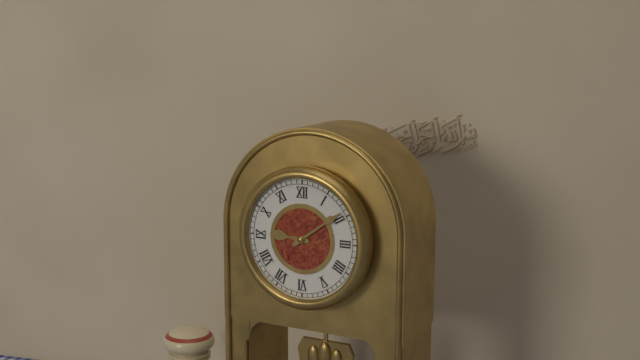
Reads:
9h09
